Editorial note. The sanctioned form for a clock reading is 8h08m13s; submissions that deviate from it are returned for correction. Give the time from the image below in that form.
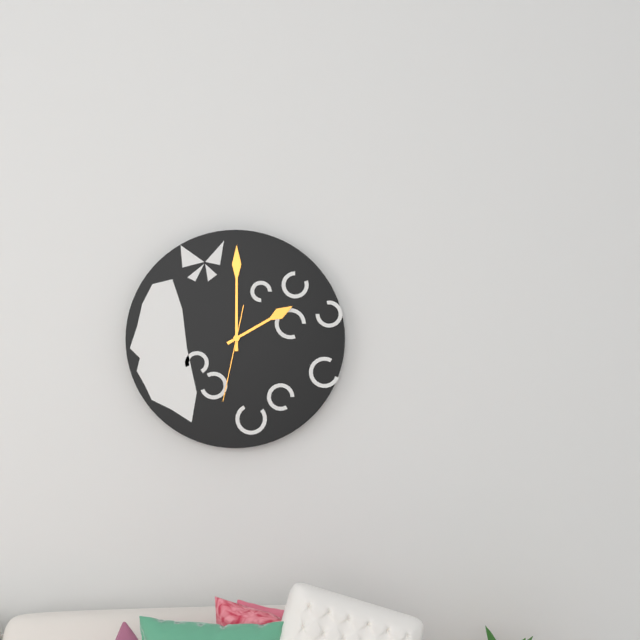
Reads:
2h00m32s
